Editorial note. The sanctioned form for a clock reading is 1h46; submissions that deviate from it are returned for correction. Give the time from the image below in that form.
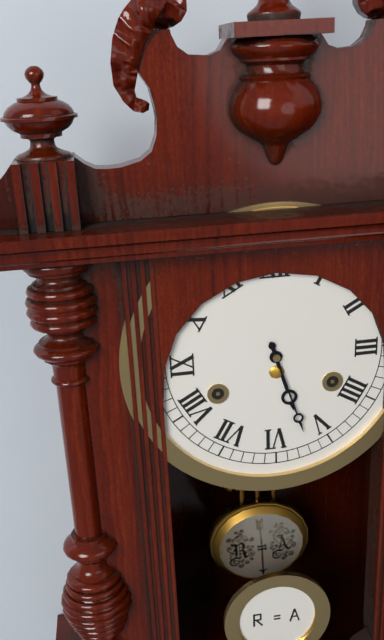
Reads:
5h27
